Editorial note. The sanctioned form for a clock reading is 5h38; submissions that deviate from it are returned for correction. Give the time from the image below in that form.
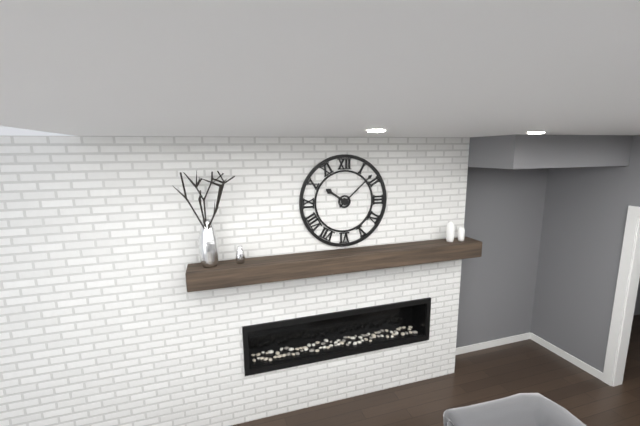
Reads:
10h08
